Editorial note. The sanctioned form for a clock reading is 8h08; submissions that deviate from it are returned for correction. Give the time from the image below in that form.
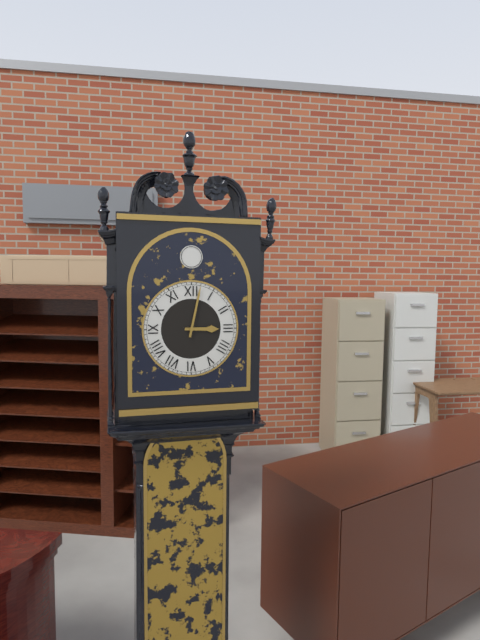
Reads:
3h02
